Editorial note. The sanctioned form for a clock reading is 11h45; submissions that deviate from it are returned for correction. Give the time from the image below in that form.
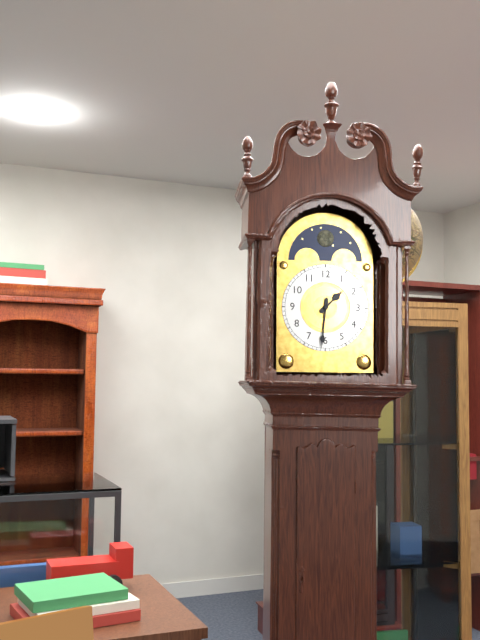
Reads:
1h31
